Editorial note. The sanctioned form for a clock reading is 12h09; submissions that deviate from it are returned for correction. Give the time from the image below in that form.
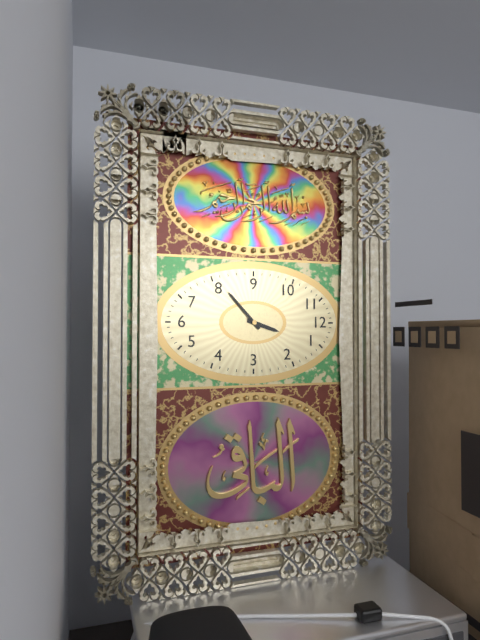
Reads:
12h38
